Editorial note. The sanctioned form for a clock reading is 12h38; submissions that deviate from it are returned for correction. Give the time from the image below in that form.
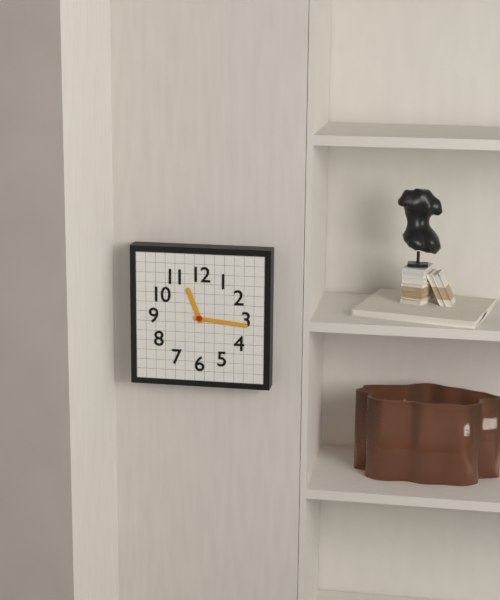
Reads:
11h16
